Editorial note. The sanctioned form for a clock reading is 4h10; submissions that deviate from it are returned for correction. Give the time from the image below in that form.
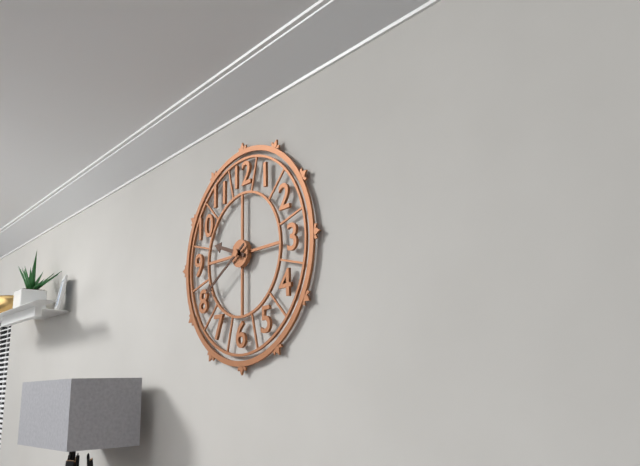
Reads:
9h40
